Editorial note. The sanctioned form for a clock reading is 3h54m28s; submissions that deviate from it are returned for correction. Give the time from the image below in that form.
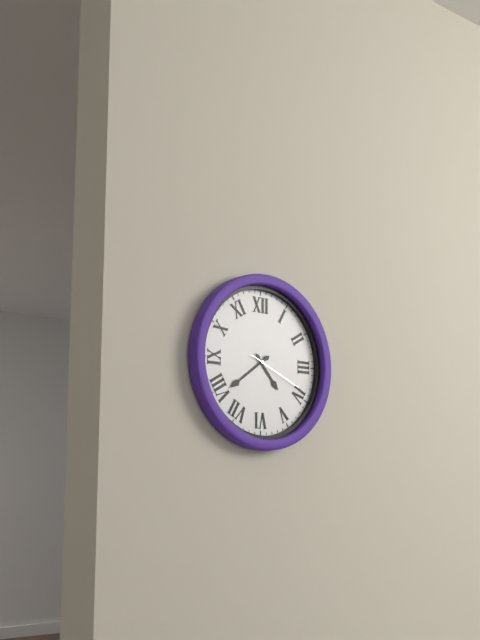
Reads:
4h39m19s
